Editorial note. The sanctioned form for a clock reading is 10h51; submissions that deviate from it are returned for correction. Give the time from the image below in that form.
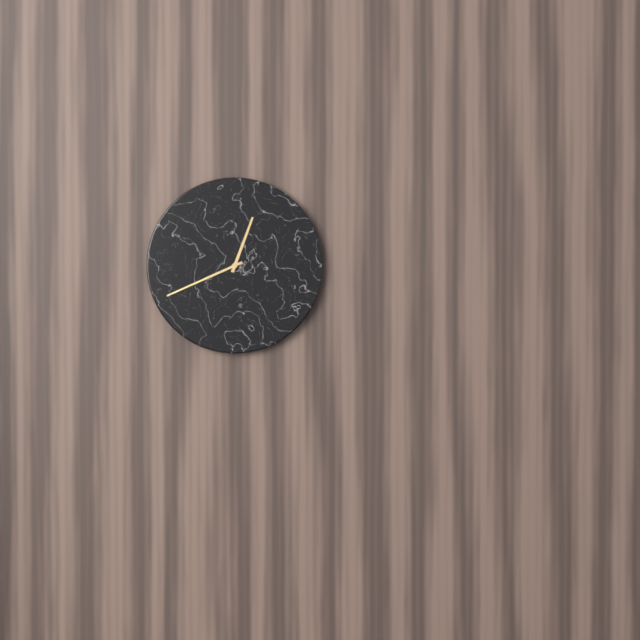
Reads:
12h41
